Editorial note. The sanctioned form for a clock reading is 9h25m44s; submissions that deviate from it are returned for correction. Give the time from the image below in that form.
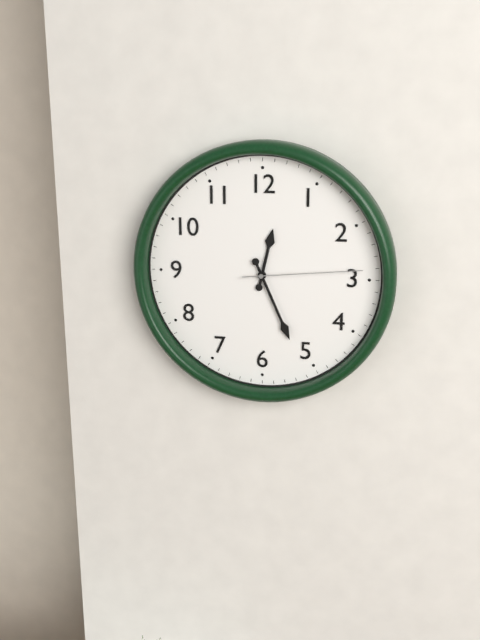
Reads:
12h26m14s
